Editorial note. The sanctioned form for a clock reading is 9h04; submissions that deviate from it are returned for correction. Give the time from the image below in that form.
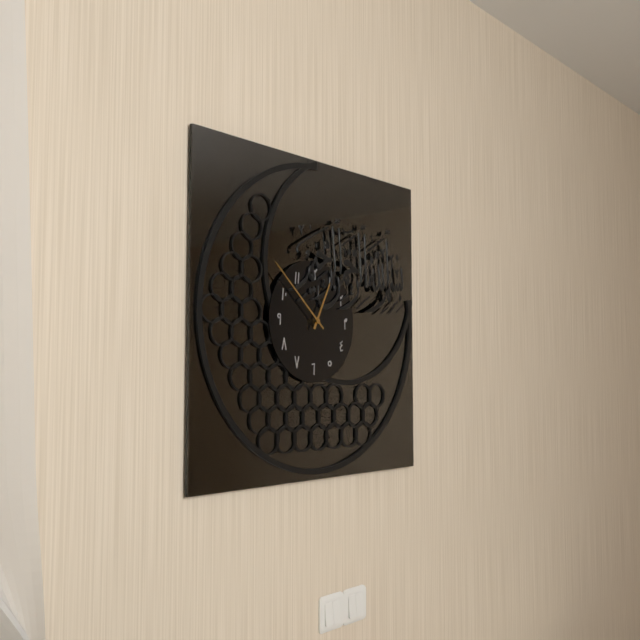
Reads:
12h52
